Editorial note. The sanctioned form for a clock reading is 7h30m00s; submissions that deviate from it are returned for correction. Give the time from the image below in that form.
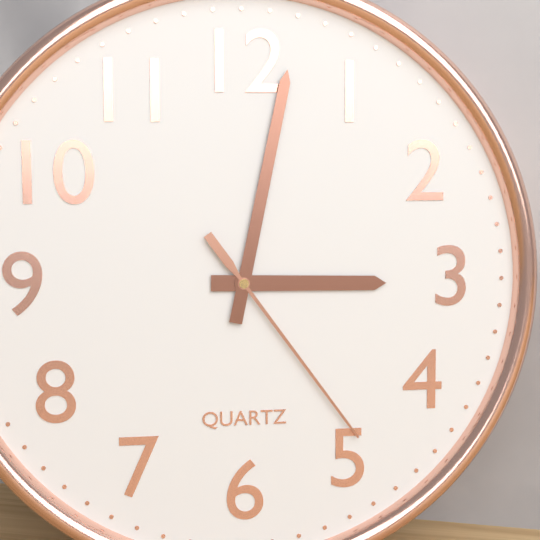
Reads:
3h02m24s
